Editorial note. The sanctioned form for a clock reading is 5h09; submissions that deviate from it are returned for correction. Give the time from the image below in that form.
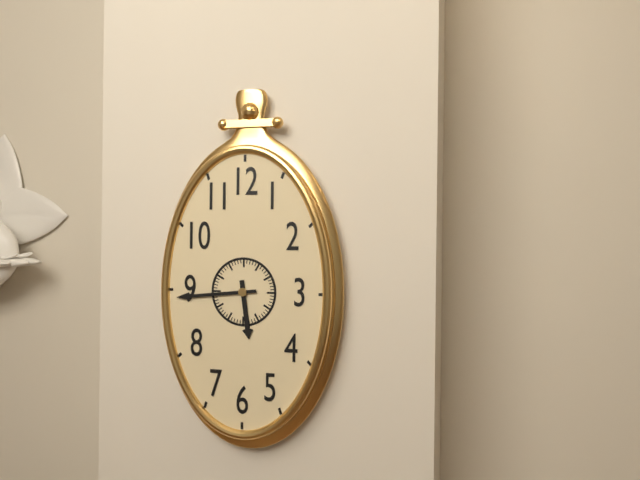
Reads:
5h44
